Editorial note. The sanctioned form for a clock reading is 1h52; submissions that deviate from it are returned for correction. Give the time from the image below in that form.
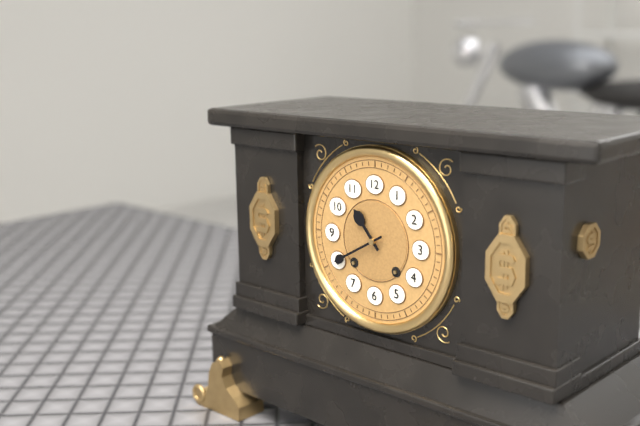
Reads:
10h40
